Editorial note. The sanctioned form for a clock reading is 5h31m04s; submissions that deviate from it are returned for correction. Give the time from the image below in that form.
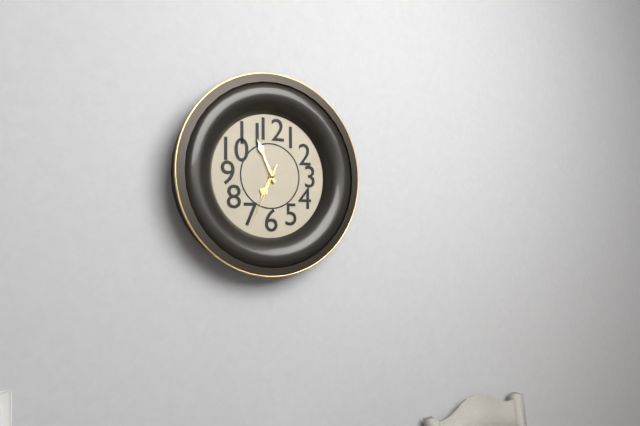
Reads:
6h56m34s
